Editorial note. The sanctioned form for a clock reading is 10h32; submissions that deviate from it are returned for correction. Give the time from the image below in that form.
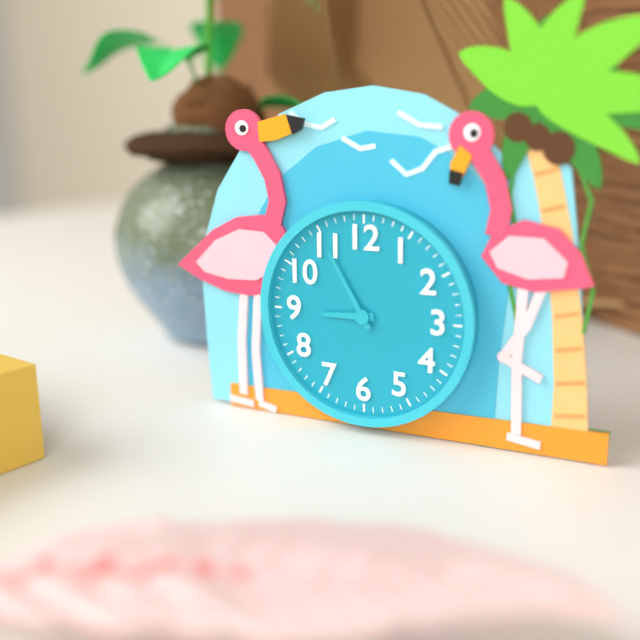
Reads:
8h55
